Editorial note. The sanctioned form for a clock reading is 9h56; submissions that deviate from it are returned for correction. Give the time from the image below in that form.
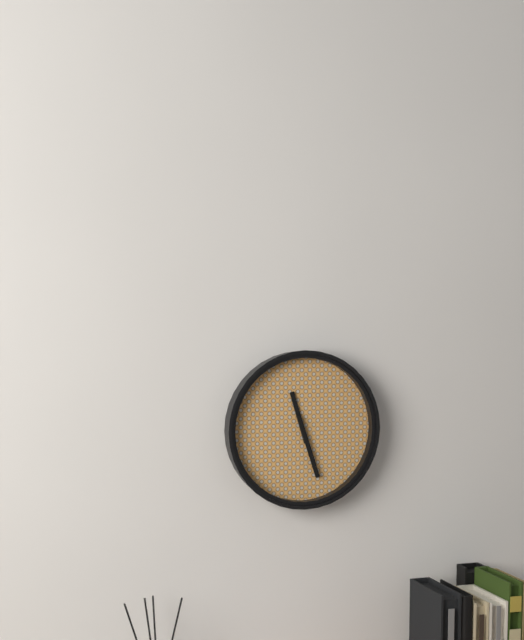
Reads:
11h27
